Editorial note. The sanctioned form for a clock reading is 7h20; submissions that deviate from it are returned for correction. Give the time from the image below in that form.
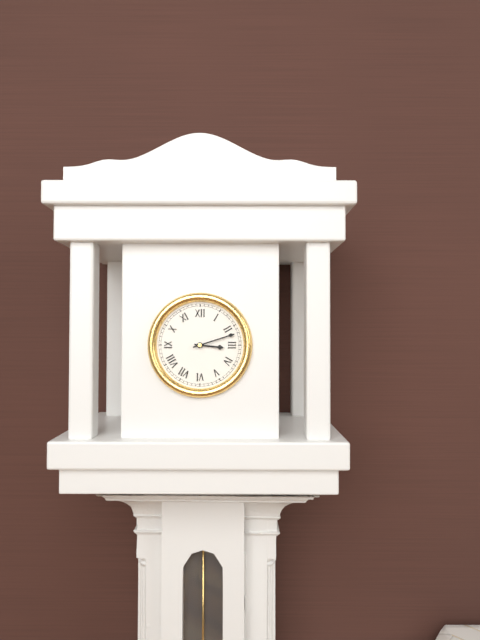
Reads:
3h12
